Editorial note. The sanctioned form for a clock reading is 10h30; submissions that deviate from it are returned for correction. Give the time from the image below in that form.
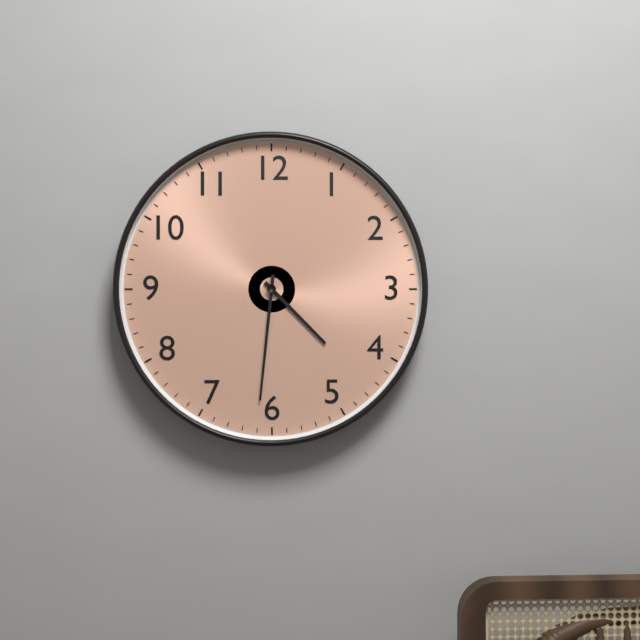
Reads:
4h31
